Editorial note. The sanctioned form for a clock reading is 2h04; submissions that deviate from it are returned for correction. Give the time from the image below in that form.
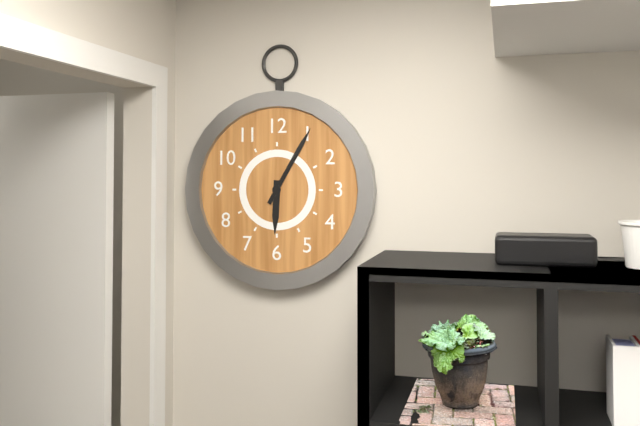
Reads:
6h05
